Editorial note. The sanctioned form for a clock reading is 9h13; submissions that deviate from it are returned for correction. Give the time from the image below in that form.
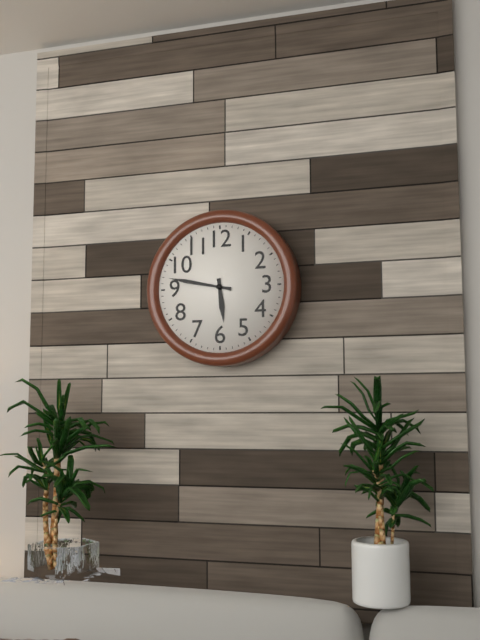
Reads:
5h47
